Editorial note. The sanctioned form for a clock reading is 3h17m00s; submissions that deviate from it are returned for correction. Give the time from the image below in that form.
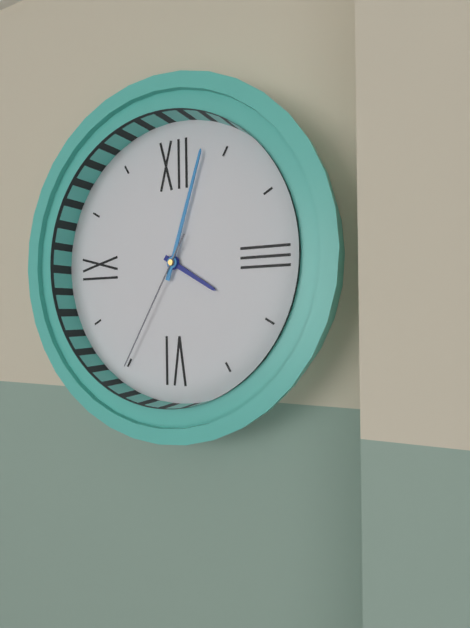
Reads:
4h03m35s
